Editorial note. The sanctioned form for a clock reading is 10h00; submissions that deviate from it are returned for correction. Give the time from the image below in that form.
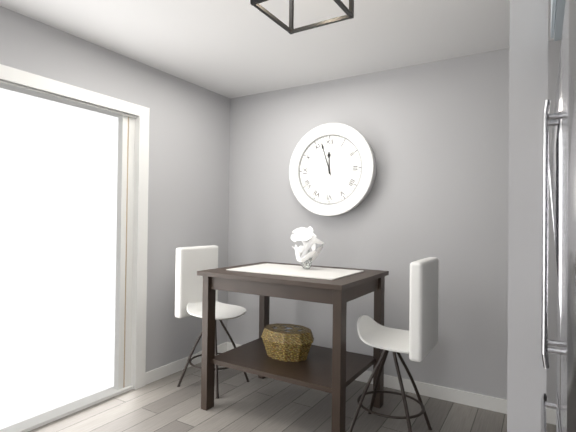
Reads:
11h57
